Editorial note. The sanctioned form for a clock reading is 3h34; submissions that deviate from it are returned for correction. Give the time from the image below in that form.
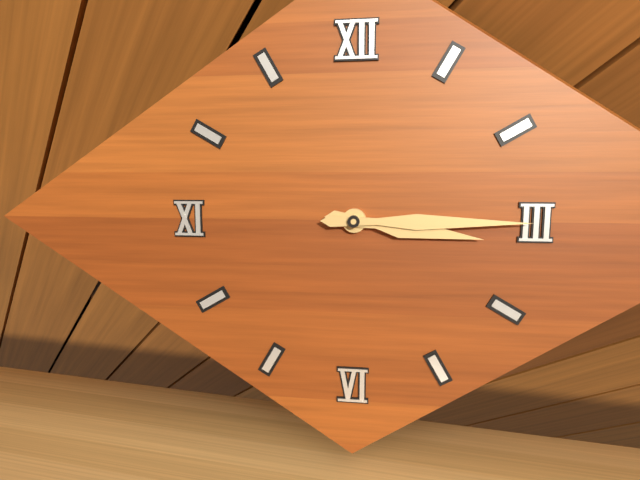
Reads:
3h15
